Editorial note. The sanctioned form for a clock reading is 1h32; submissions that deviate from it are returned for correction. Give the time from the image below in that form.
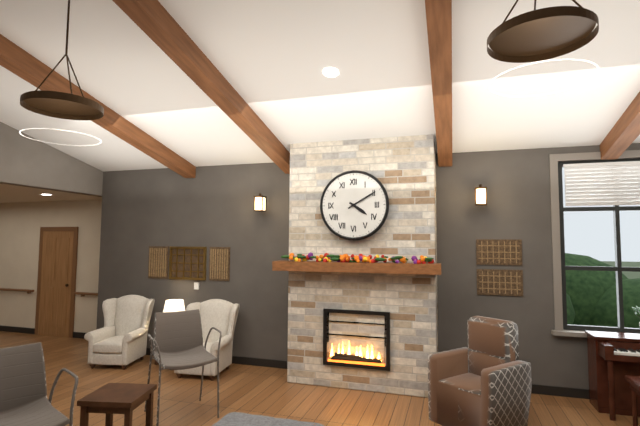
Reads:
4h10
